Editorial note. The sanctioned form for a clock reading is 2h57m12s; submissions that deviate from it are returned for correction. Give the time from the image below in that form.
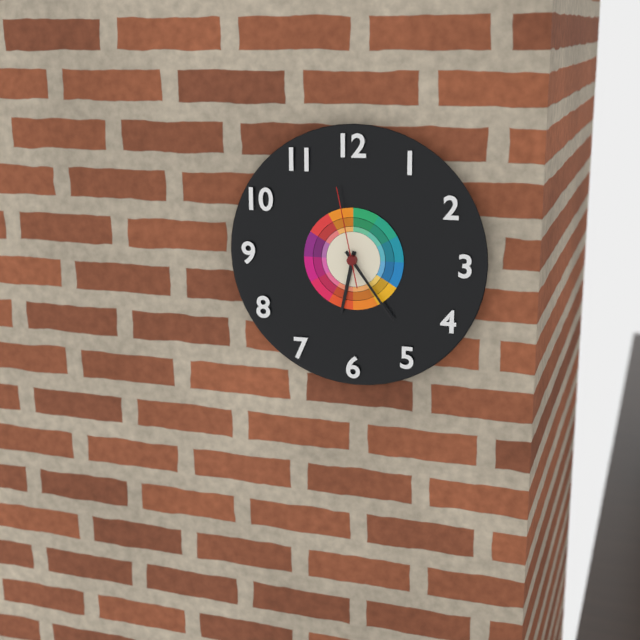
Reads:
6h24m58s
